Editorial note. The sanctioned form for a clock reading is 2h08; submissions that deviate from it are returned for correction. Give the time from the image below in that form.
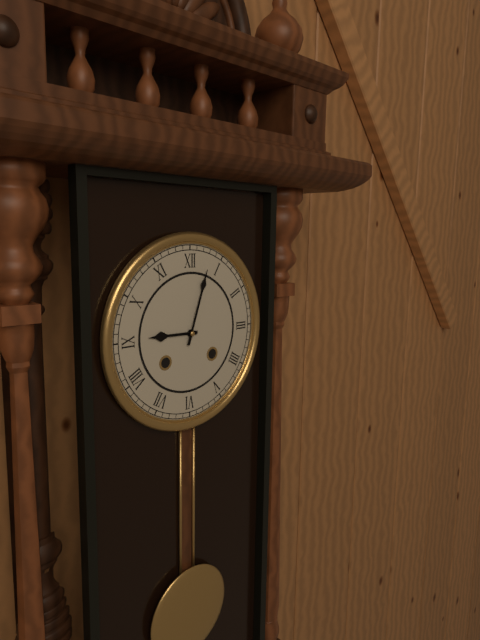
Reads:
9h03
